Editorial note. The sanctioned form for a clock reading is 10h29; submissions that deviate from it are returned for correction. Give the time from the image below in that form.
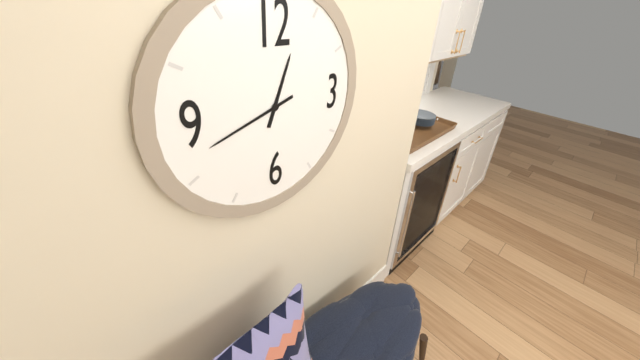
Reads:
12h42
